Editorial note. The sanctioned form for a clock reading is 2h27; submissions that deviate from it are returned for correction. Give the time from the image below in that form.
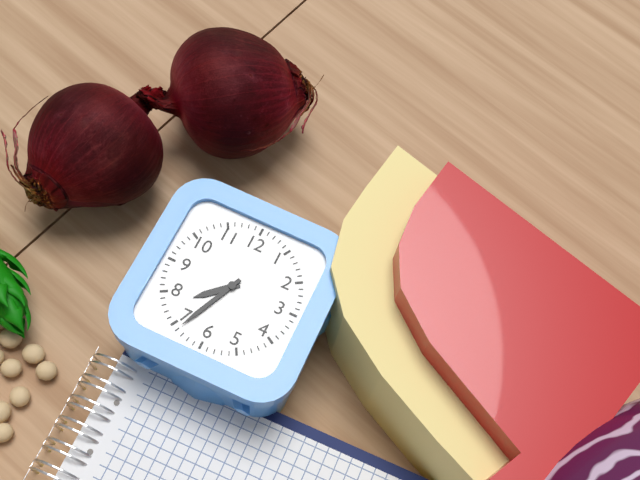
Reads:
7h34
